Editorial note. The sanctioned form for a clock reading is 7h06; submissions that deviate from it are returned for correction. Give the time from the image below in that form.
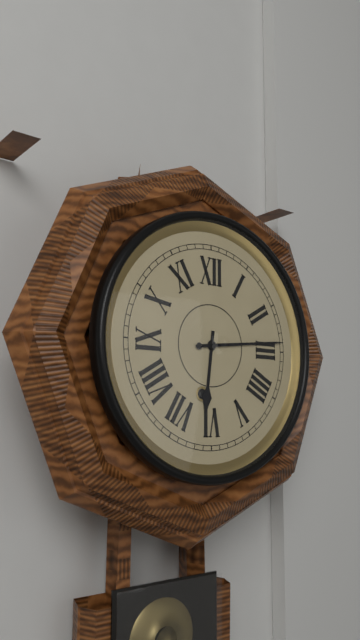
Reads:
6h14
